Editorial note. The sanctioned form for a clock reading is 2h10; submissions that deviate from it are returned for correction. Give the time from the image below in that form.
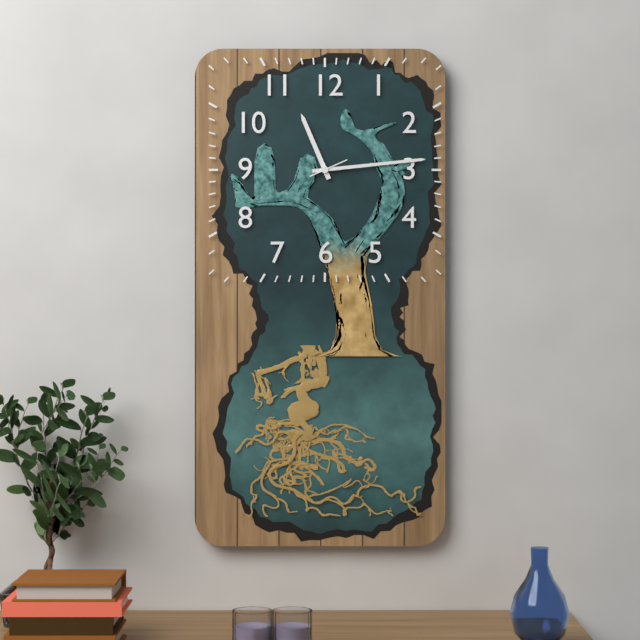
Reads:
11h14
